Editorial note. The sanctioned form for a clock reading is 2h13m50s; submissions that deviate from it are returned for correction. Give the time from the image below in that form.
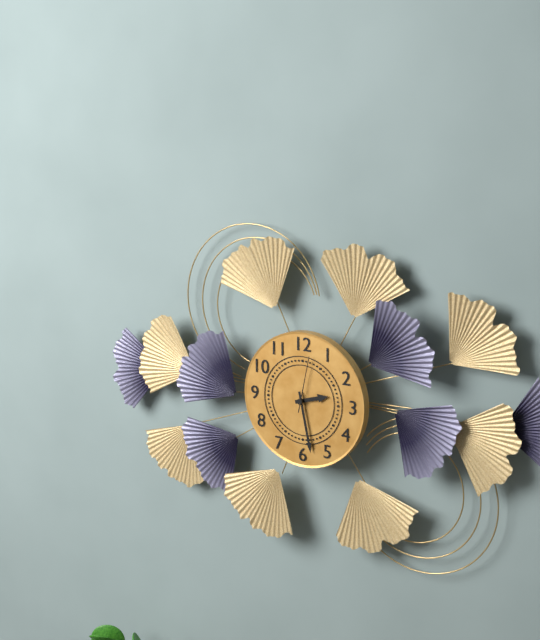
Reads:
2h28m02s
